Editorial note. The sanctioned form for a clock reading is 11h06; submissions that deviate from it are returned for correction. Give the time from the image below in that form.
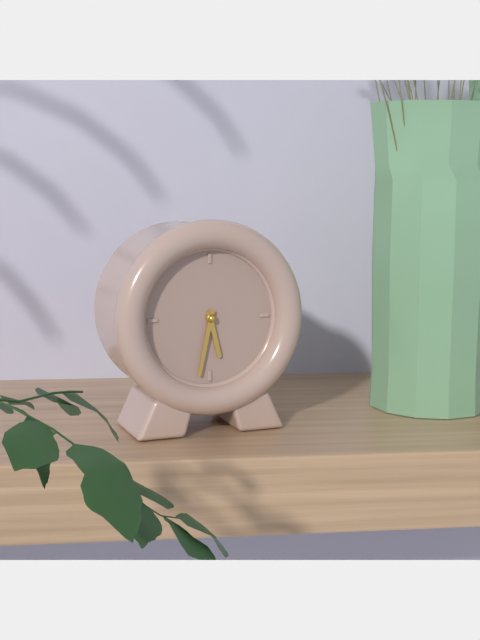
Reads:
5h32
